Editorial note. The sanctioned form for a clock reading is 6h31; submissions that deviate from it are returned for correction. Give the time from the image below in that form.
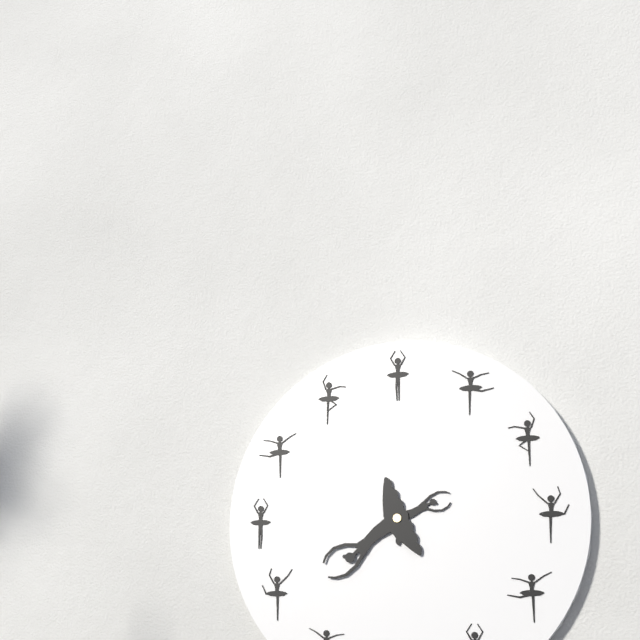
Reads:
2h41
